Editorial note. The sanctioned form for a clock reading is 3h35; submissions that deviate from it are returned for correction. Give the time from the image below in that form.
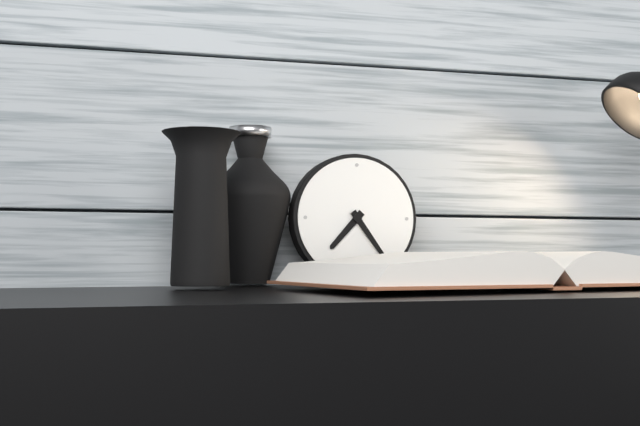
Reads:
7h24
